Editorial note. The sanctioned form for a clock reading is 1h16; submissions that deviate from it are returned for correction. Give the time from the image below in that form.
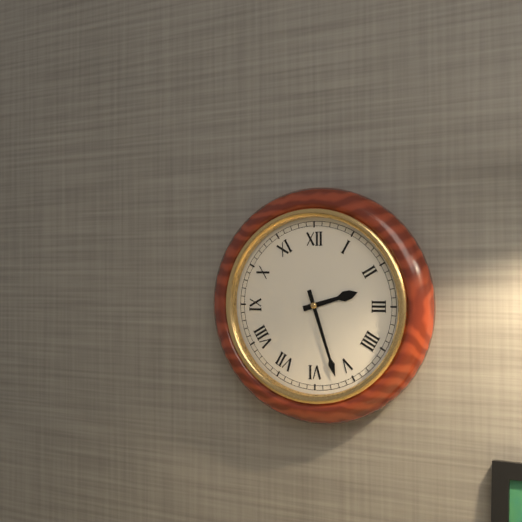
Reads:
2h27
